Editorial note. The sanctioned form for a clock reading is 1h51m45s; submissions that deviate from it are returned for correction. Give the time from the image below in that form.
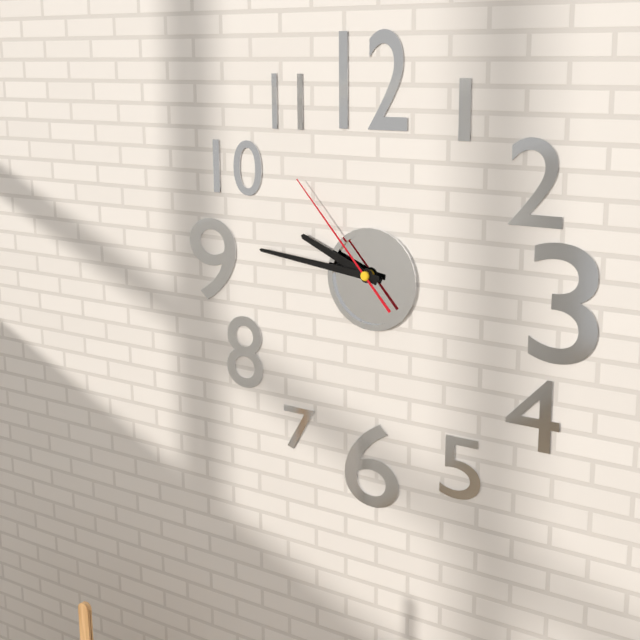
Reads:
9h46m53s
